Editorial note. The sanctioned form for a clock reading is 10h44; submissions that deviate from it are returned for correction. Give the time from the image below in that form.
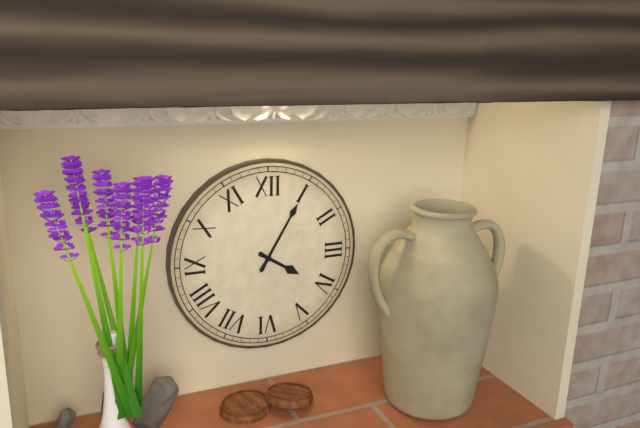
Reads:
4h05
